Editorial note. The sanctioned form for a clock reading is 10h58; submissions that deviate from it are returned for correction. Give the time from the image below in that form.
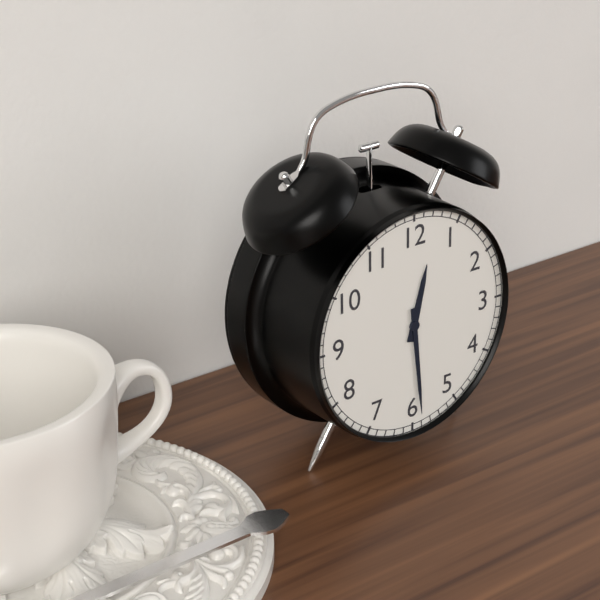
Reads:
12h29
